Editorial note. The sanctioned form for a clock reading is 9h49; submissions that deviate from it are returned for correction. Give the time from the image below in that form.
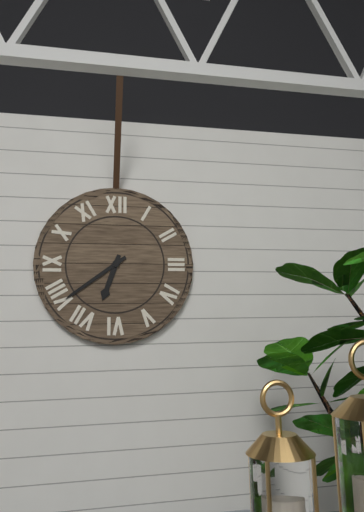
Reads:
6h39
